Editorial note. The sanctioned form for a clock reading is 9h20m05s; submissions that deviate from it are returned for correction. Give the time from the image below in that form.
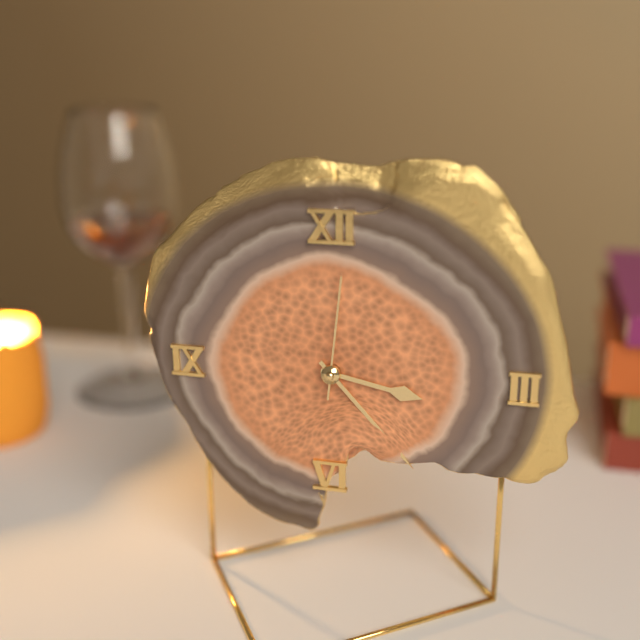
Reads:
3h23m01s
